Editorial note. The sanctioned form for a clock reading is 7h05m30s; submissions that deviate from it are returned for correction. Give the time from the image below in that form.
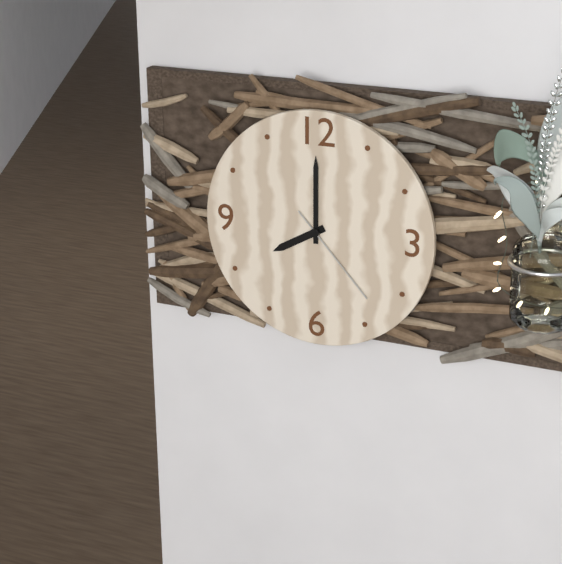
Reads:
8h00m23s
